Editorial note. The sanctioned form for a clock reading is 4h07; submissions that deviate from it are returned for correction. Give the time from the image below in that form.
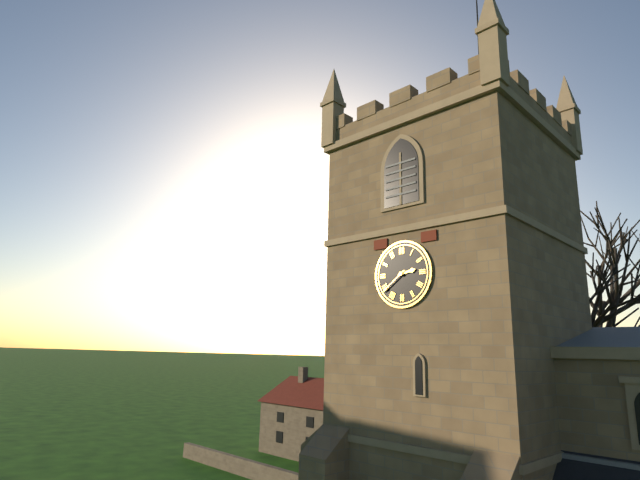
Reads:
2h39
